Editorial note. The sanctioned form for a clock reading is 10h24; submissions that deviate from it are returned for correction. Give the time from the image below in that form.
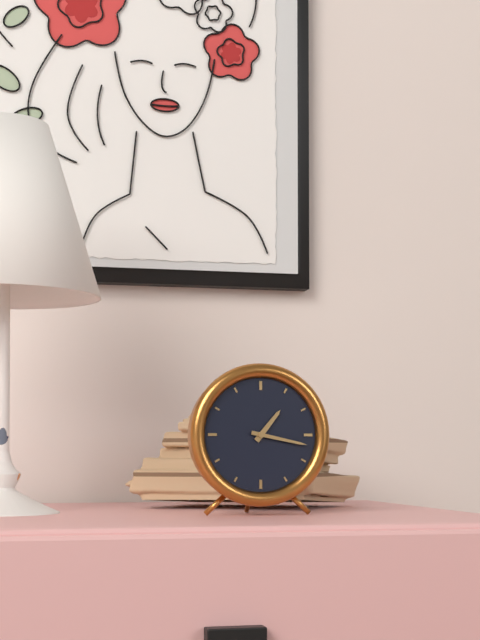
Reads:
1h17
